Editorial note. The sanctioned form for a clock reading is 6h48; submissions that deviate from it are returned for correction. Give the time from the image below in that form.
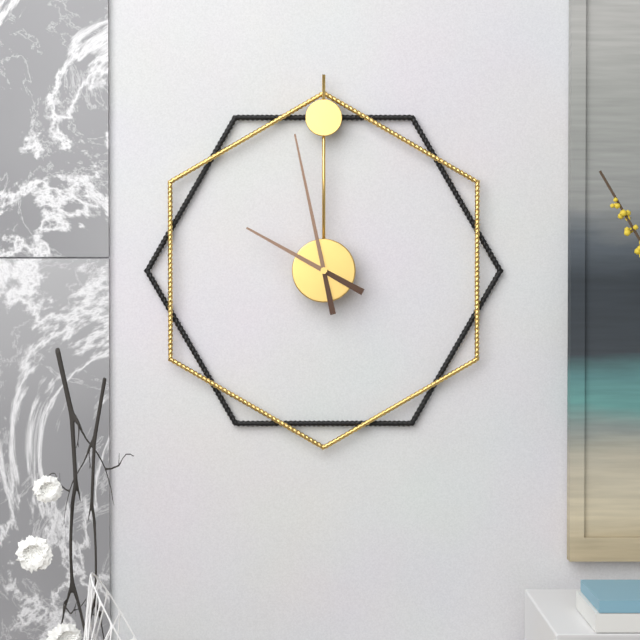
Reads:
9h58
